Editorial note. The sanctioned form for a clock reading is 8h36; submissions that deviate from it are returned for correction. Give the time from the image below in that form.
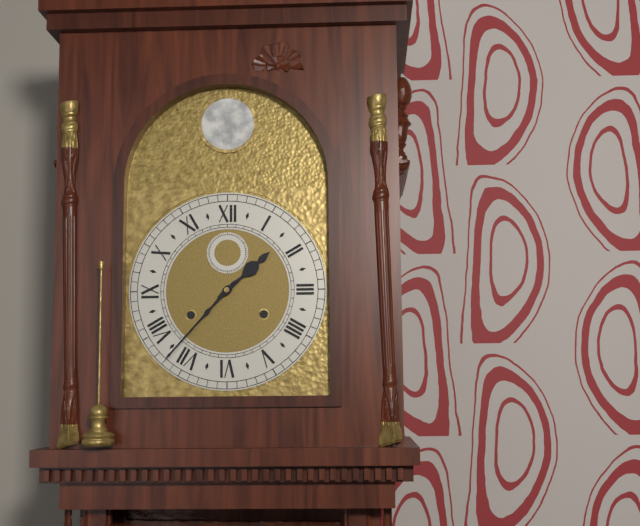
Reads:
1h37
